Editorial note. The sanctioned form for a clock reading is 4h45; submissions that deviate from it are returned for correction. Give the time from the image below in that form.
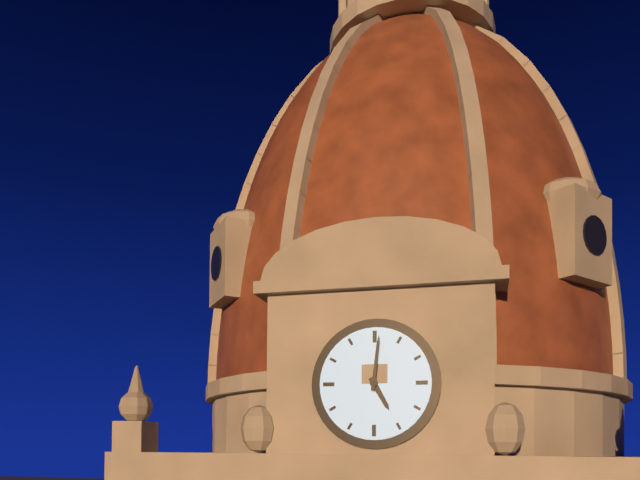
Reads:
5h01
